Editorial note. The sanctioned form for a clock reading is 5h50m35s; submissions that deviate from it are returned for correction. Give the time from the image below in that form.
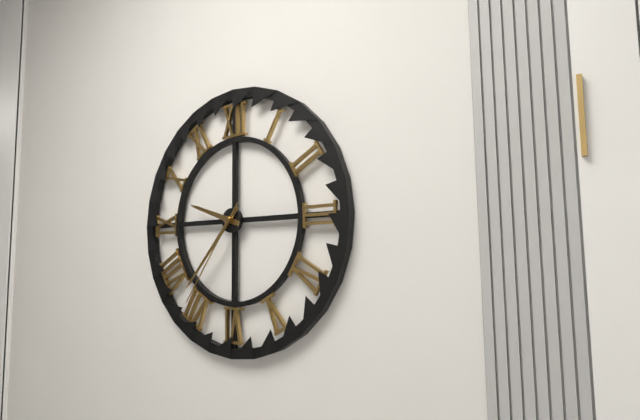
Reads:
9h37m36s
